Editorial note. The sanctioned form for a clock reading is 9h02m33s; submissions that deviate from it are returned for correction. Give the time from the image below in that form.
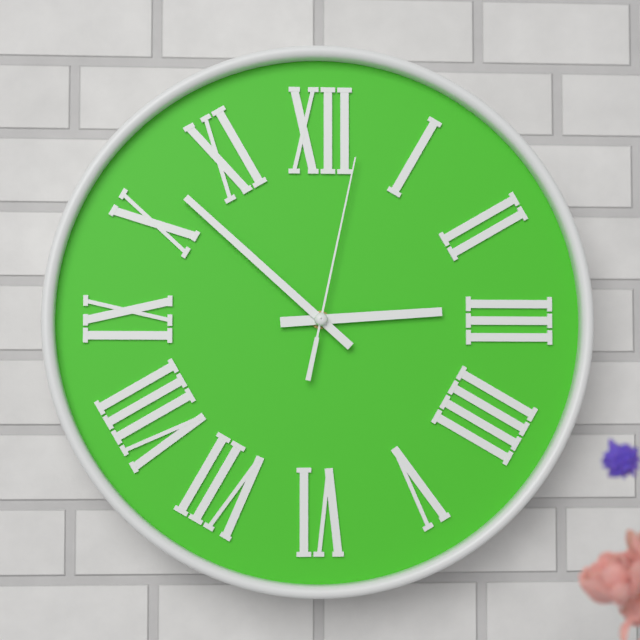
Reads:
2h52m02s
